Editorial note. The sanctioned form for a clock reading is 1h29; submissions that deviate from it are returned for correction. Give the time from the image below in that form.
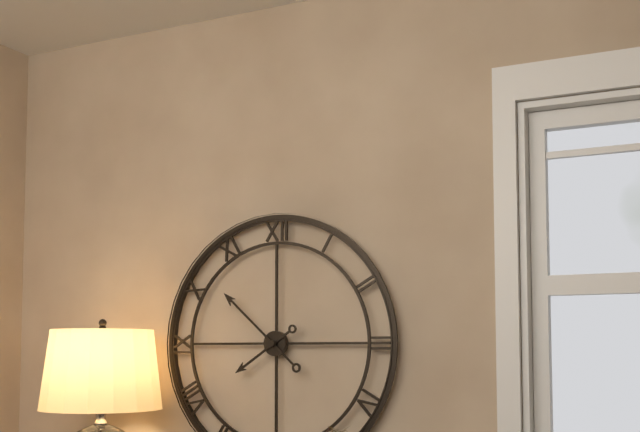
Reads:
7h52
